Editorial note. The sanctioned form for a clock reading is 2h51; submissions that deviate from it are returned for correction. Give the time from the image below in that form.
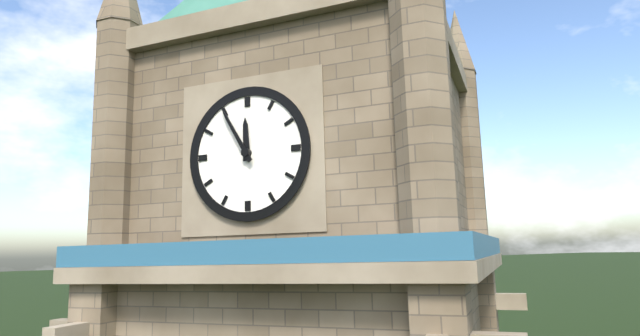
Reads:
11h55
